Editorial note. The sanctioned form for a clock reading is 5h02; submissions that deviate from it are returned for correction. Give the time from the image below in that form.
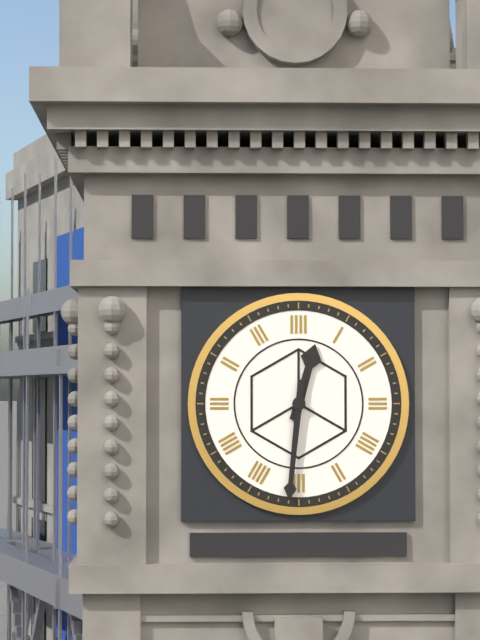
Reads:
12h31
